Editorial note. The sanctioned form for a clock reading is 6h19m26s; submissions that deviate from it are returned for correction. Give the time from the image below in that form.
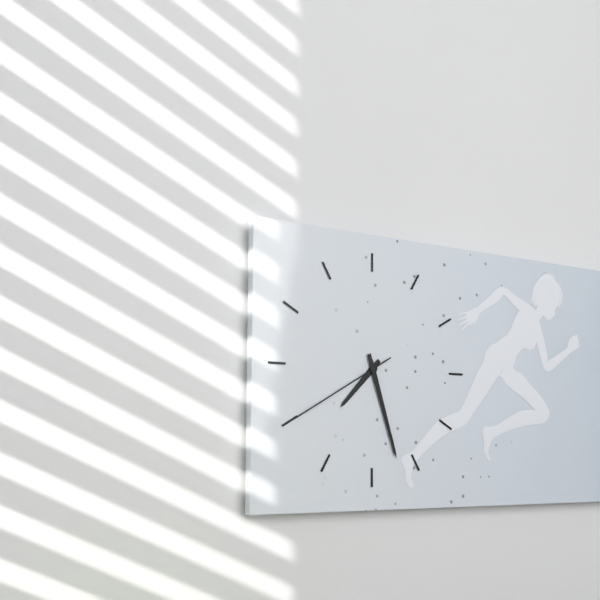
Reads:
7h27m40s
